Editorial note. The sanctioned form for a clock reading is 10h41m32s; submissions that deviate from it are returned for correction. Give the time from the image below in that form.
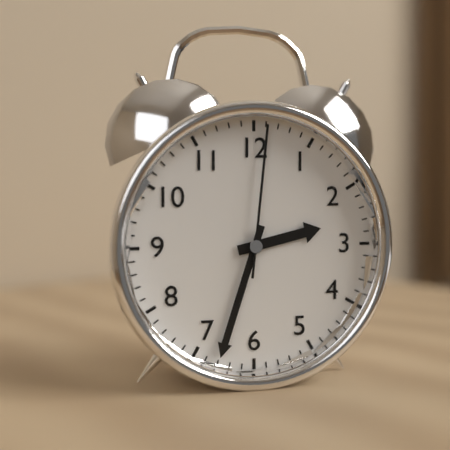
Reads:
2h33m01s
